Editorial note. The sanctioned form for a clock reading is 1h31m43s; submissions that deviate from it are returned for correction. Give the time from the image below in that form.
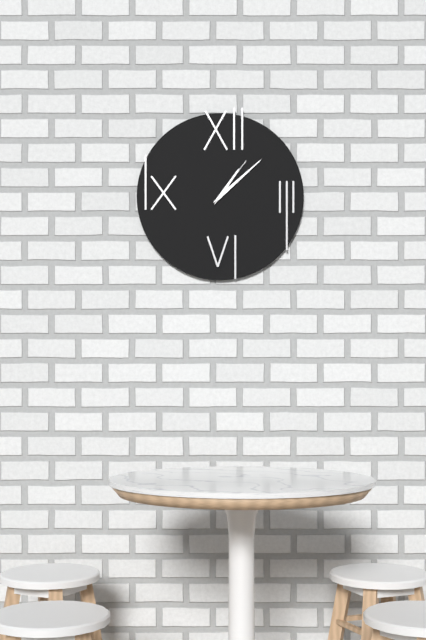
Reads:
1h08m06s
